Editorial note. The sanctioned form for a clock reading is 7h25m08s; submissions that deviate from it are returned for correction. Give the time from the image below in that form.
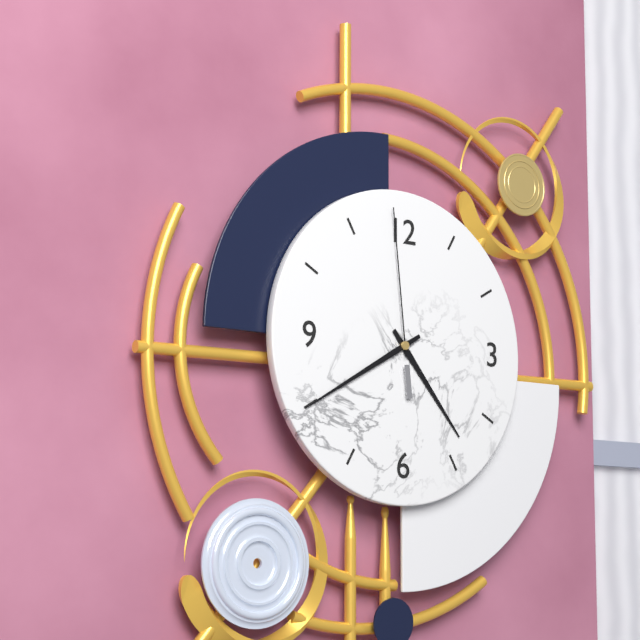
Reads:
4h40m59s
